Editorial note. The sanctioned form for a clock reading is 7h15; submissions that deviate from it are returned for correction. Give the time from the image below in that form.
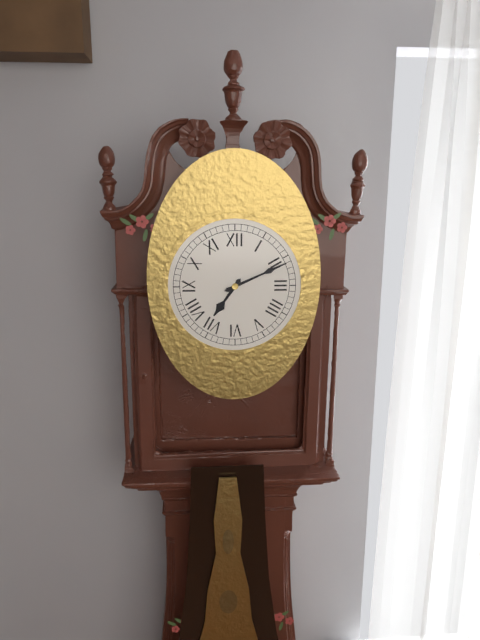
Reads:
7h11
